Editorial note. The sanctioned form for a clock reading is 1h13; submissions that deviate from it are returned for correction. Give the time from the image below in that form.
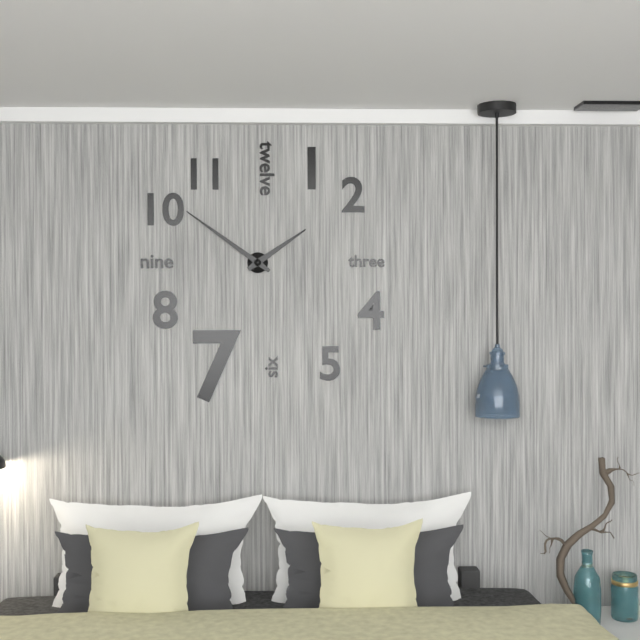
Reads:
1h51
